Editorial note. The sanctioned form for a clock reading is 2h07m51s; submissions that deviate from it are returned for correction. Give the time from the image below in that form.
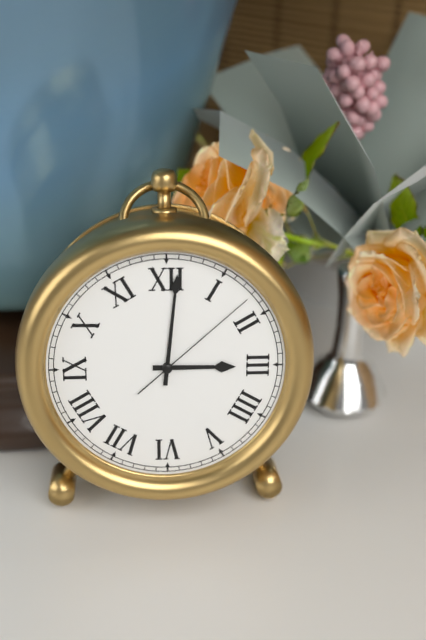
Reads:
3h01m08s
